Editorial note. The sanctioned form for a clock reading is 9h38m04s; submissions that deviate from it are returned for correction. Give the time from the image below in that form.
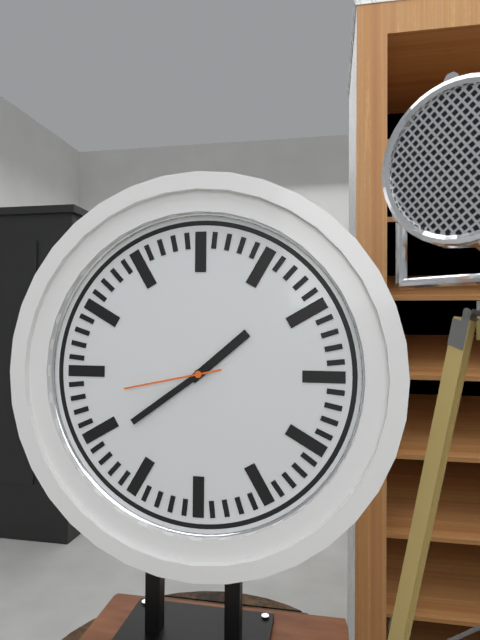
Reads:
1h39m43s
